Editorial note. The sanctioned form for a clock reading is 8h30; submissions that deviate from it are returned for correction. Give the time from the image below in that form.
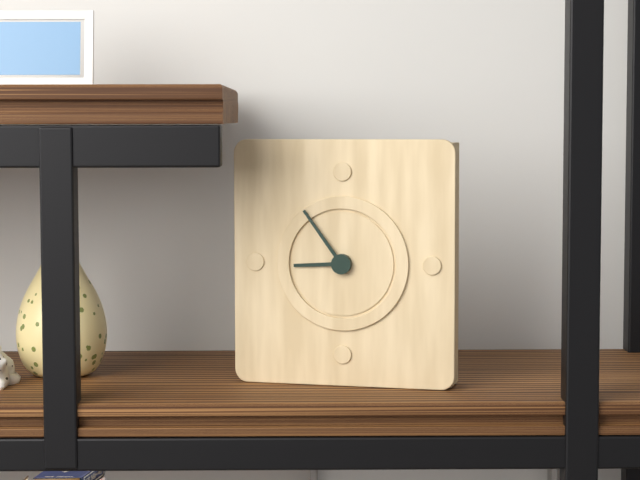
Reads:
8h54
